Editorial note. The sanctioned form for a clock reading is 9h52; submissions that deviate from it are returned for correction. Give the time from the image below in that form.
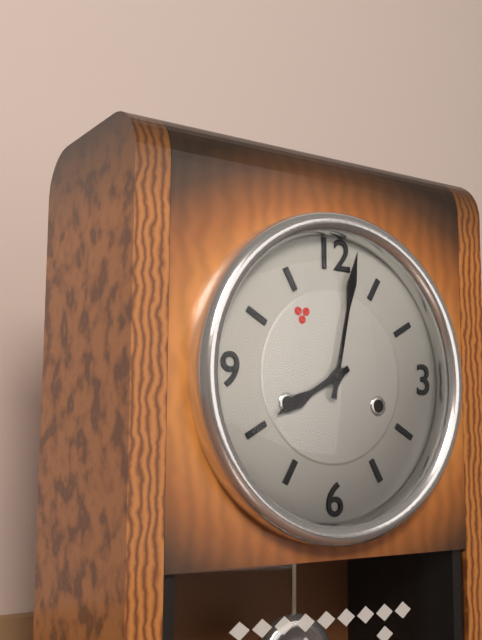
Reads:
8h02
